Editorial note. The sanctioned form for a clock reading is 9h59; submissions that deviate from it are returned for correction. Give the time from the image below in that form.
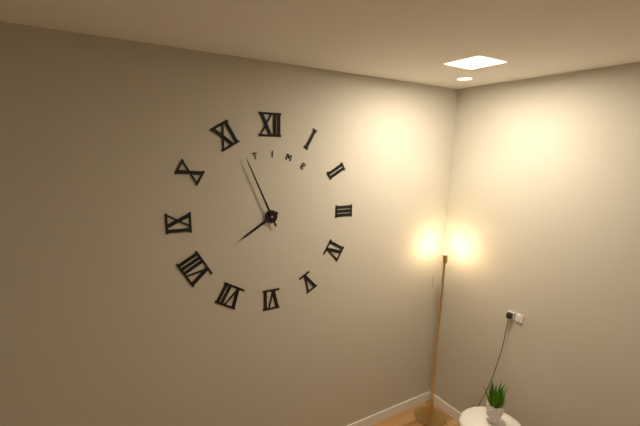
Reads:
7h56
